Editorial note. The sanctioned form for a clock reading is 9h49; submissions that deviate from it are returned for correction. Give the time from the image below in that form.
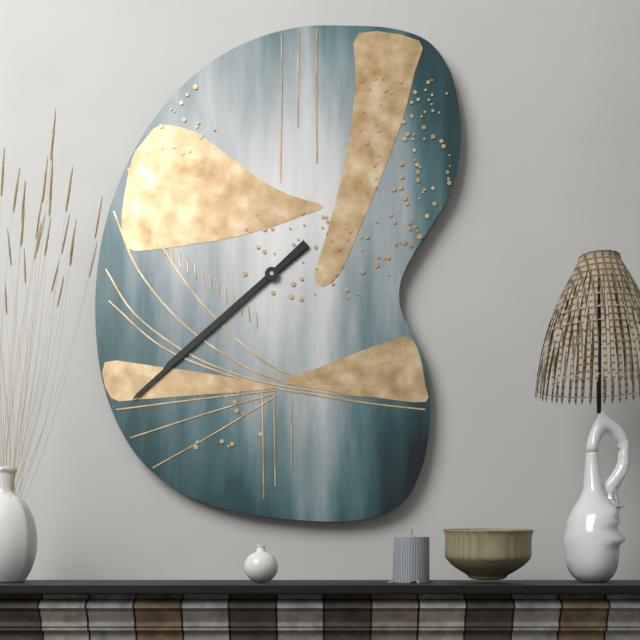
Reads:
7h38
